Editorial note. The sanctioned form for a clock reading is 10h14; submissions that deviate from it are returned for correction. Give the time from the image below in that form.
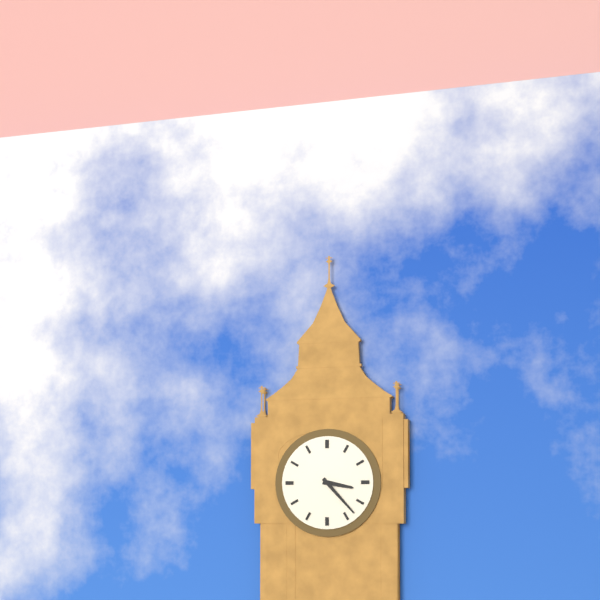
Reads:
3h23
